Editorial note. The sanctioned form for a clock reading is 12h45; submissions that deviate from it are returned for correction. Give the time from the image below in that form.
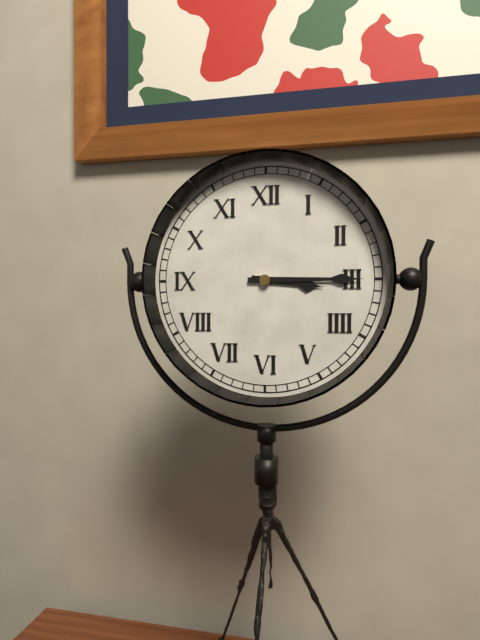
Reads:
3h15
